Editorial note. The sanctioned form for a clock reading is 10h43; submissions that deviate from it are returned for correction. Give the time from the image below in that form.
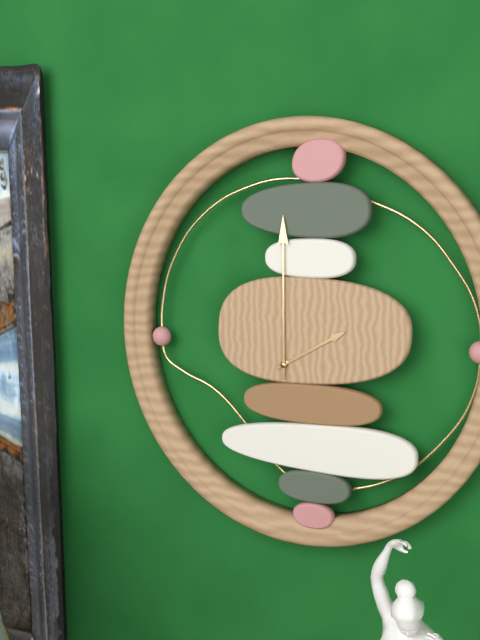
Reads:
2h00
